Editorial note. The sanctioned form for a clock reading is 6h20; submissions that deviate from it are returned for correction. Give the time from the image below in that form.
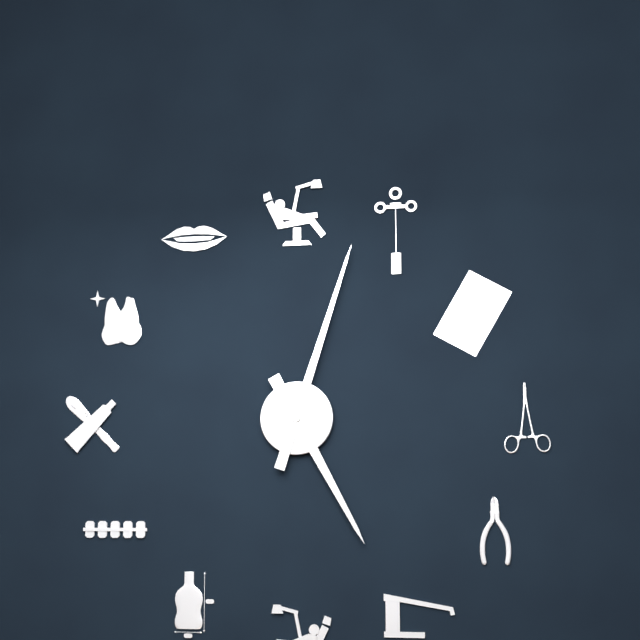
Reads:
5h03
